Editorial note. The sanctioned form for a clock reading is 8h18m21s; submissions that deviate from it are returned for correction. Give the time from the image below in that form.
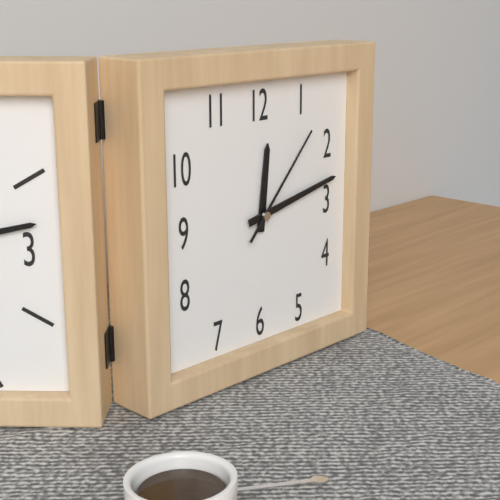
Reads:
12h13m07s
